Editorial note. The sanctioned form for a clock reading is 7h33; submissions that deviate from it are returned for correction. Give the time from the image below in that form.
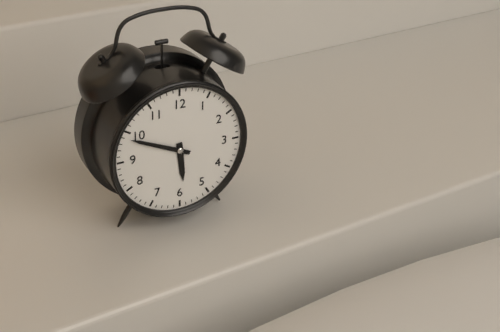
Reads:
5h49
